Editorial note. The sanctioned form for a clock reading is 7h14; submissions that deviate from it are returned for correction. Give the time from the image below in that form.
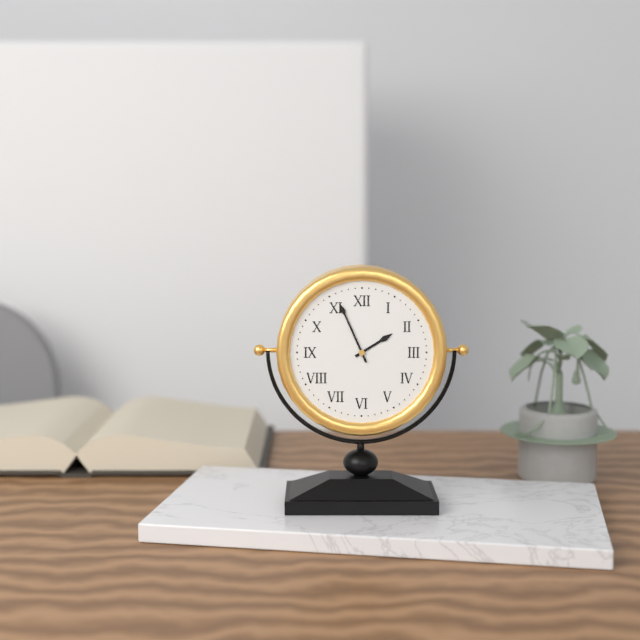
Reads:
1h56
